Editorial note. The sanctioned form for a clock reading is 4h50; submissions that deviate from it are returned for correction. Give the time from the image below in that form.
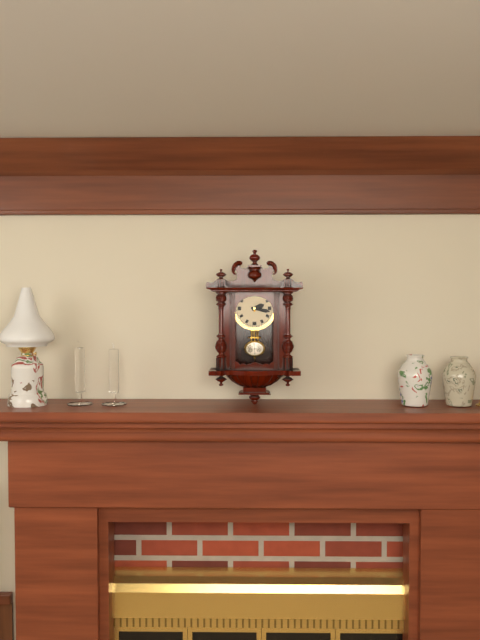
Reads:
2h17
